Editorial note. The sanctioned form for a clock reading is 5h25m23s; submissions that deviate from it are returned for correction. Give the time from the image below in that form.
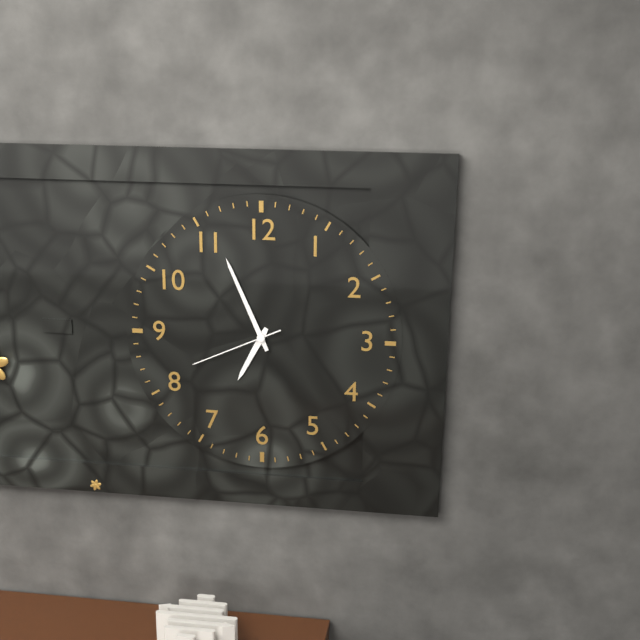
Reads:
6h56m41s
